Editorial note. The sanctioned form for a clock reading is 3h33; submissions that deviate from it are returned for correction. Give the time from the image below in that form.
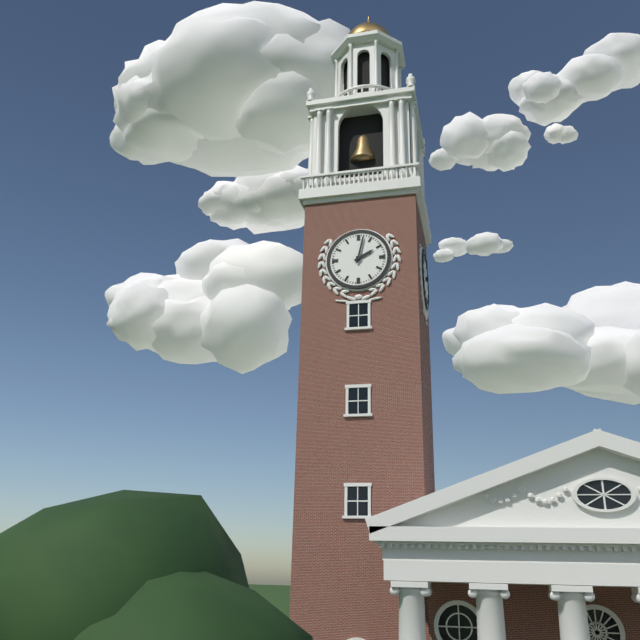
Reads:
2h02
